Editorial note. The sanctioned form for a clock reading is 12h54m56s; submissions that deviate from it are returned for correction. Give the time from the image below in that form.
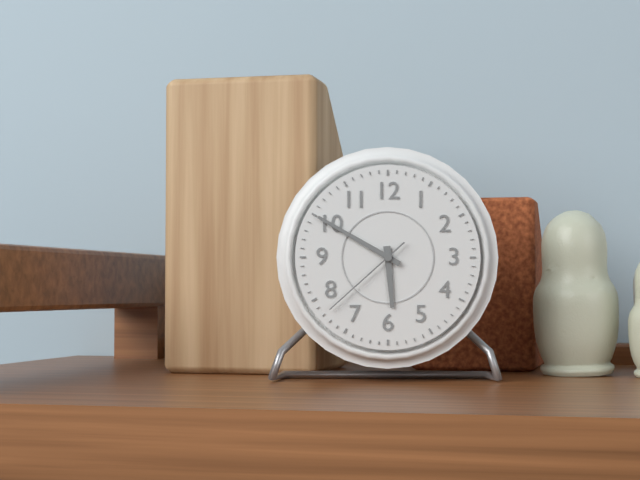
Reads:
5h50m38s
